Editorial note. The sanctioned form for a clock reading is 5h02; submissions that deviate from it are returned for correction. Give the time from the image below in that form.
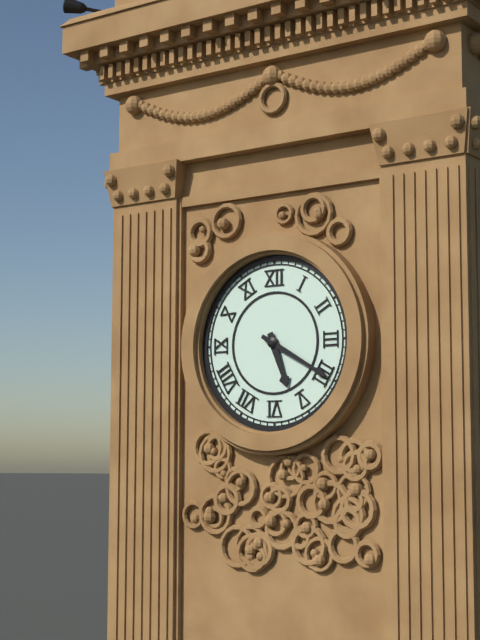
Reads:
5h20
